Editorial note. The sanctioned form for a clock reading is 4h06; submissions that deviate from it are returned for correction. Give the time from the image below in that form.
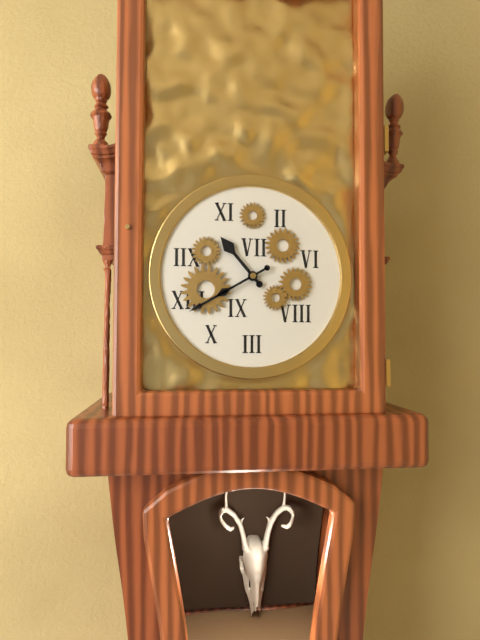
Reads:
10h40
